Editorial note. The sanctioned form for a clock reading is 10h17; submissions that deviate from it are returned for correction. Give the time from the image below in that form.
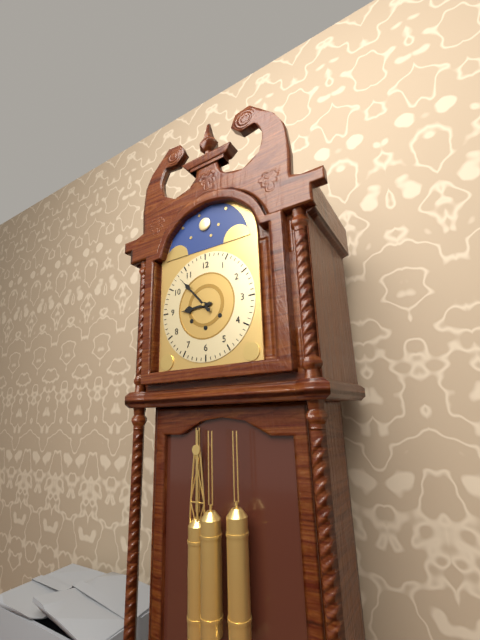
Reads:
8h53
